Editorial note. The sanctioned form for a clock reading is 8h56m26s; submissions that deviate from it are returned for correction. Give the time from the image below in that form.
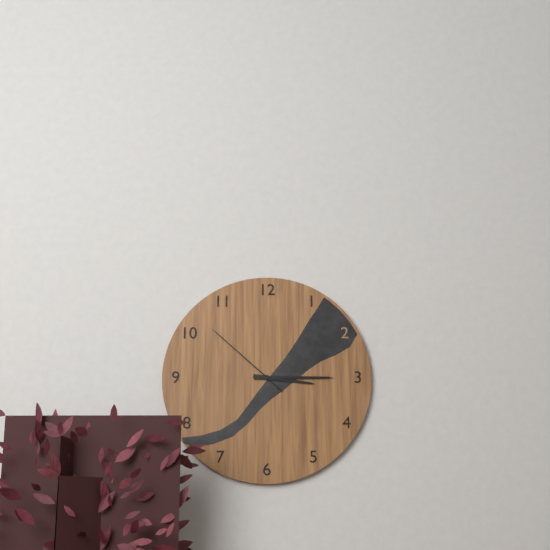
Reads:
3h15m52s
